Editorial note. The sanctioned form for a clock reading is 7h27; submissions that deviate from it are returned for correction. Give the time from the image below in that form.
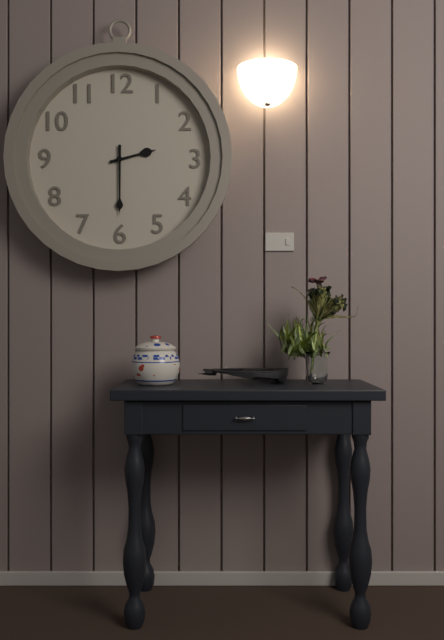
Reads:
2h30
